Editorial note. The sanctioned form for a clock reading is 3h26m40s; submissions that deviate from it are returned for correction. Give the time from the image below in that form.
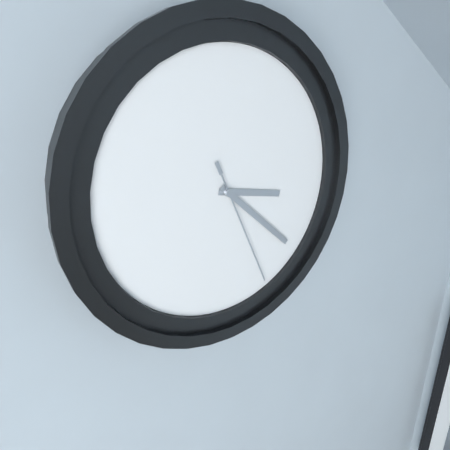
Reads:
3h22m26s
